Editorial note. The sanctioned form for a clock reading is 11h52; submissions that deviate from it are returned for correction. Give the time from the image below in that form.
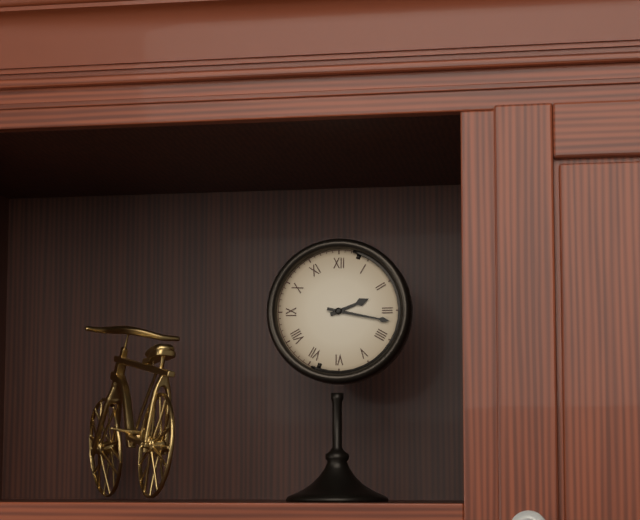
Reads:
2h17
